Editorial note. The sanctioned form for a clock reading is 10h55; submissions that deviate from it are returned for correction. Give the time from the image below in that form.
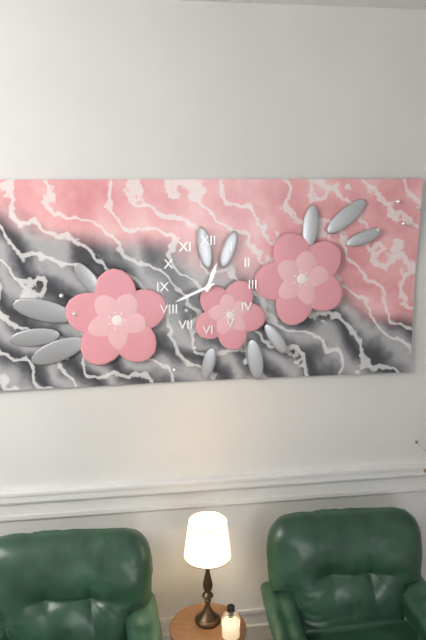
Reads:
12h41
